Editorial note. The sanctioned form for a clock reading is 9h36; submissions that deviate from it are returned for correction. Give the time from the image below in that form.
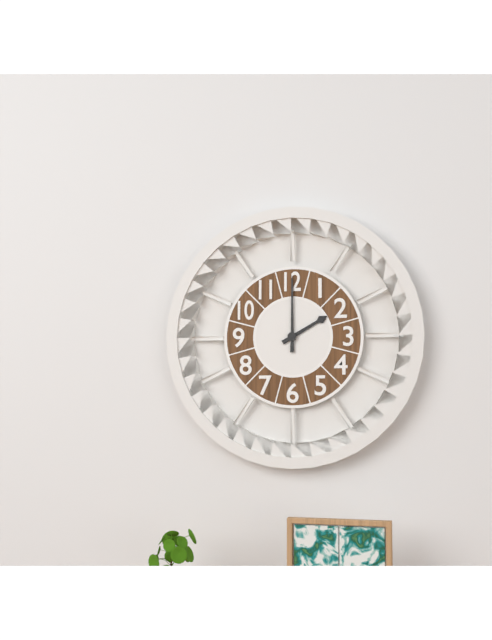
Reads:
2h00
